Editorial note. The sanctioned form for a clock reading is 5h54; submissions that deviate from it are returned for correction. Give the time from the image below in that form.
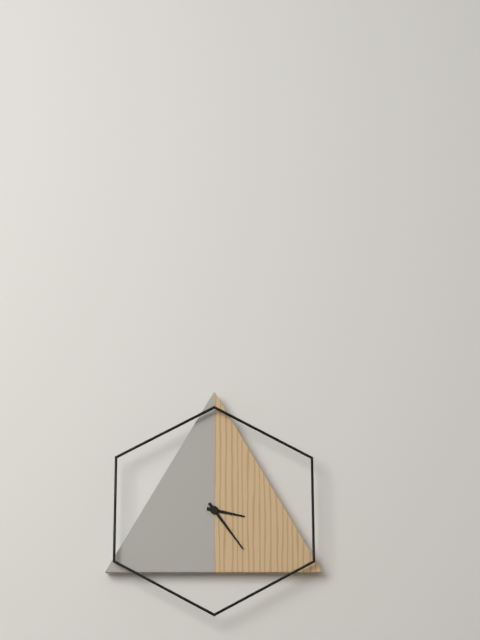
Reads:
3h24
